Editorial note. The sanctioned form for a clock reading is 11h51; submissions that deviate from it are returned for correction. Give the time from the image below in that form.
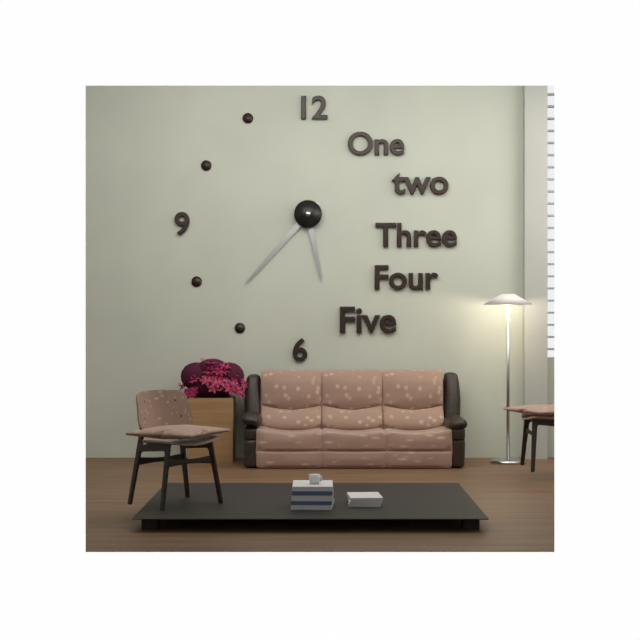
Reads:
5h37
